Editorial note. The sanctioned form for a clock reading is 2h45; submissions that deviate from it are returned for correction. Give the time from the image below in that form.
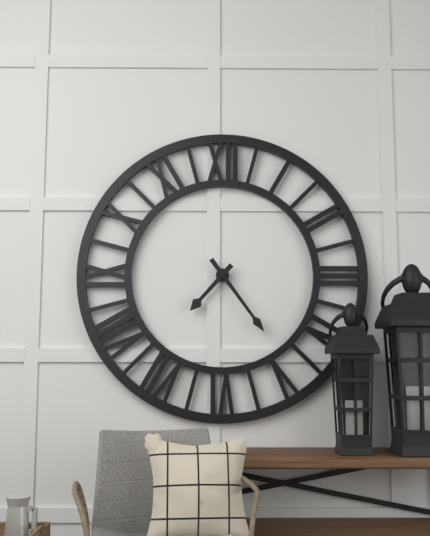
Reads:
7h24
